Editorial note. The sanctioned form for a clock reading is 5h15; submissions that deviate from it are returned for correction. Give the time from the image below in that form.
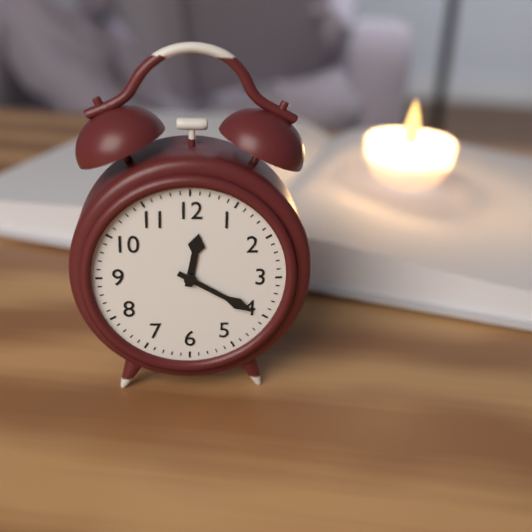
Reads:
12h20
